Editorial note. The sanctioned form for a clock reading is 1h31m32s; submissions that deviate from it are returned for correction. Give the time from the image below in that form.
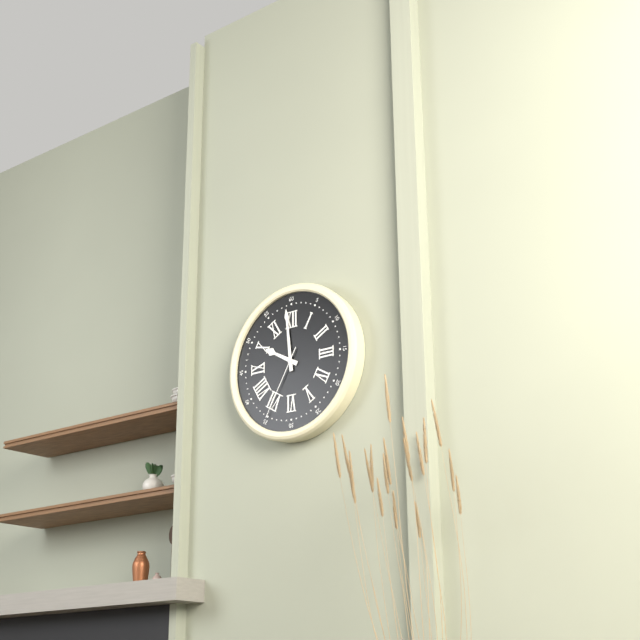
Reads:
9h59m35s
